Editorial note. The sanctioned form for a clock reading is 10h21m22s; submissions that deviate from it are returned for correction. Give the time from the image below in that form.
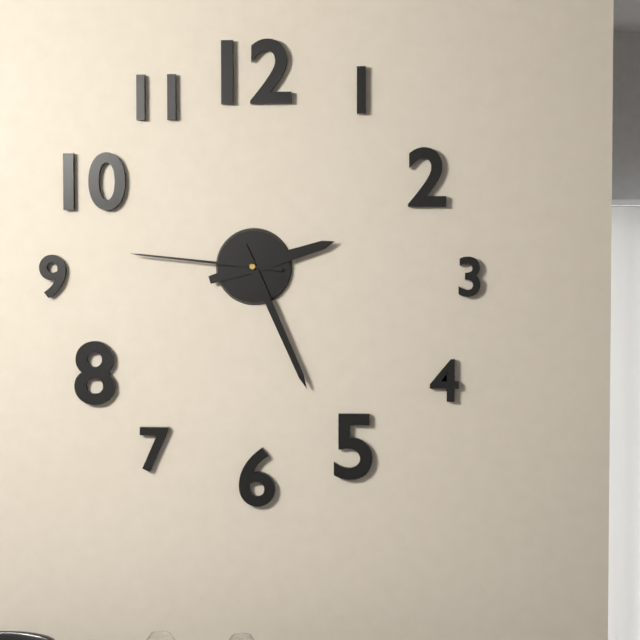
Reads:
2h26m46s
